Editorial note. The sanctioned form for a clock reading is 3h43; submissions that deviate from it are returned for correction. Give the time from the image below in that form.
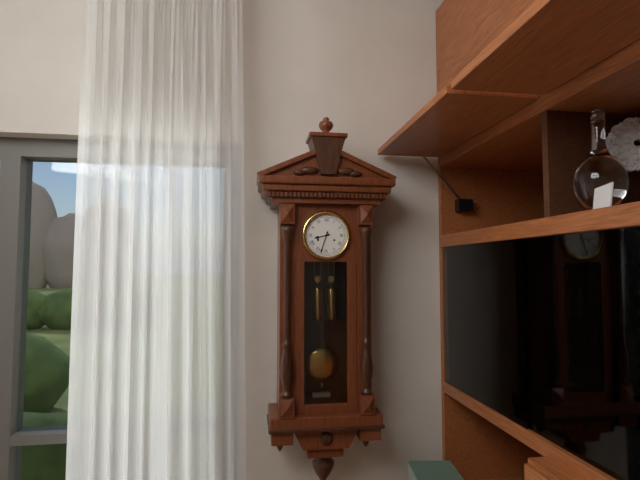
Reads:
8h33
